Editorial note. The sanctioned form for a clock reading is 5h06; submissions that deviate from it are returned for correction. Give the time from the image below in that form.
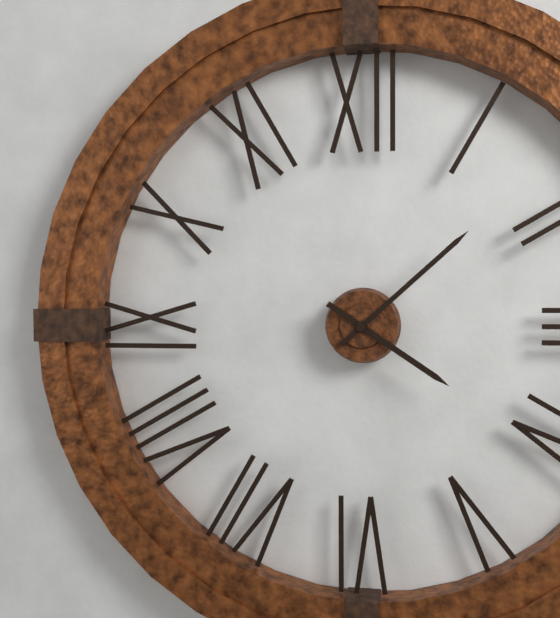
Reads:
4h08
